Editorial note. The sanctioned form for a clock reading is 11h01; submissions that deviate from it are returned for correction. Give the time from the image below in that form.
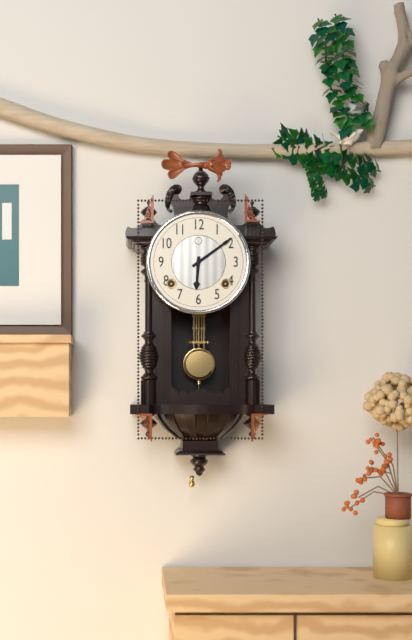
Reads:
6h09
